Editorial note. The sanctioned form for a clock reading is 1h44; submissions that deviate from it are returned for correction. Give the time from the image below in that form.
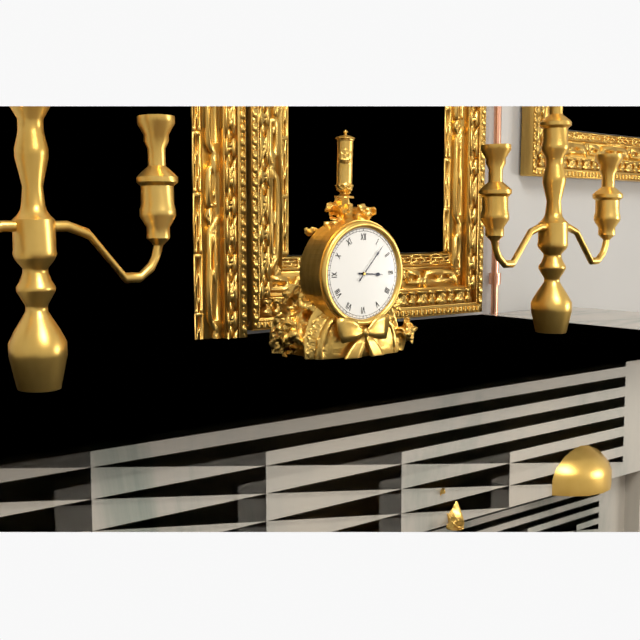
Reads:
3h07
